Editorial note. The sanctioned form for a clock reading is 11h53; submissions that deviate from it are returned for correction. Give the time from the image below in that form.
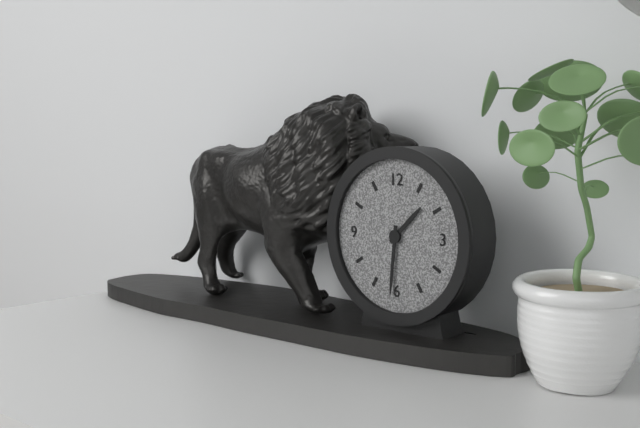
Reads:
1h31
